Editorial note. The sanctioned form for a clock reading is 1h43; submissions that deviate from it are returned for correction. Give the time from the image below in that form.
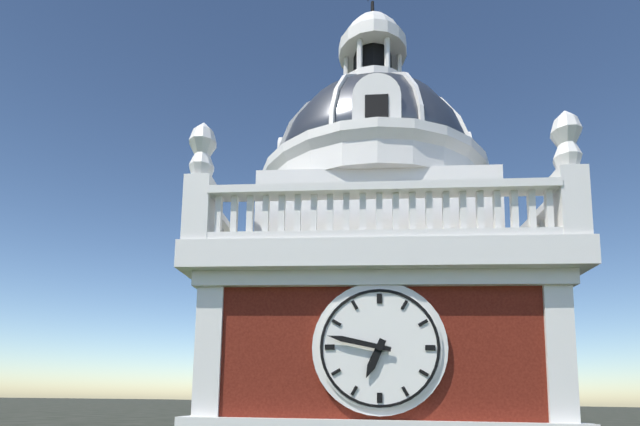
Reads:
6h47
